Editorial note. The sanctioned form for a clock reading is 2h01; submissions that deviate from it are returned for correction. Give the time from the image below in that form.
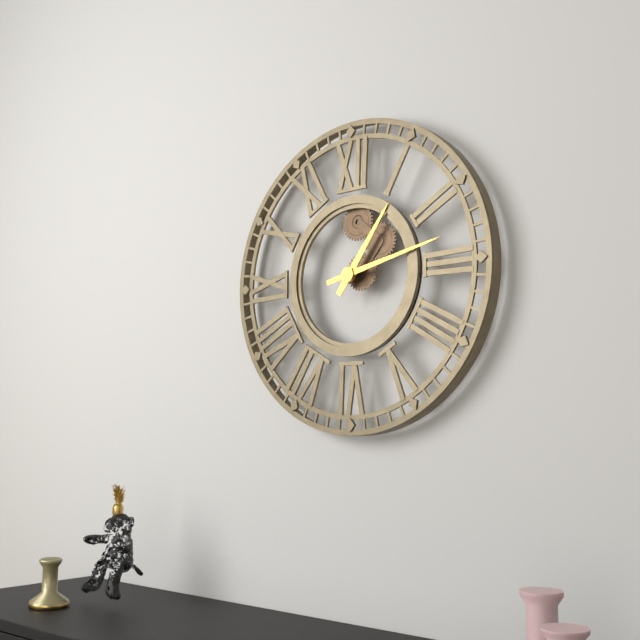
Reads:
1h13
